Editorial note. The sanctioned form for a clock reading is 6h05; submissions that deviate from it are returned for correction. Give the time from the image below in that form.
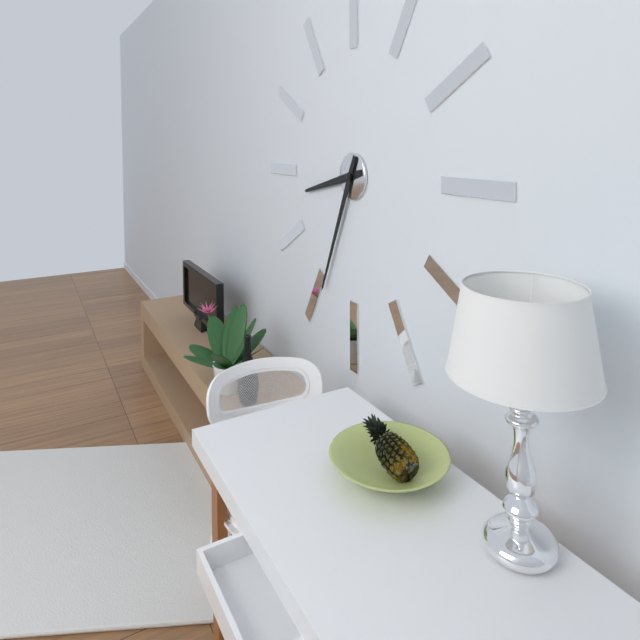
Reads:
8h34
